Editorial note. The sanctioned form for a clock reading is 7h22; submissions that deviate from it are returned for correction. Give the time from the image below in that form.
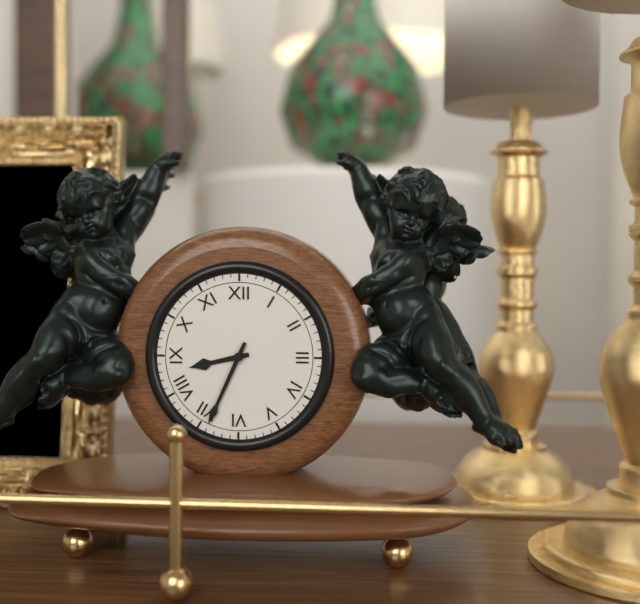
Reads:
8h34
